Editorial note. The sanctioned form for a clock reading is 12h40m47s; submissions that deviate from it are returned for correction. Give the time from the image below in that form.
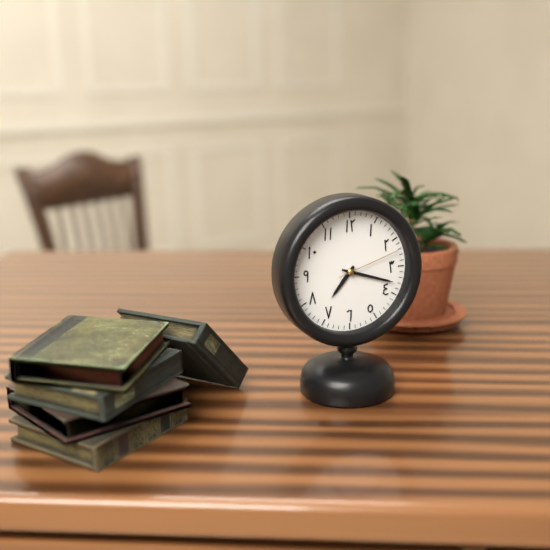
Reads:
7h18m12s
